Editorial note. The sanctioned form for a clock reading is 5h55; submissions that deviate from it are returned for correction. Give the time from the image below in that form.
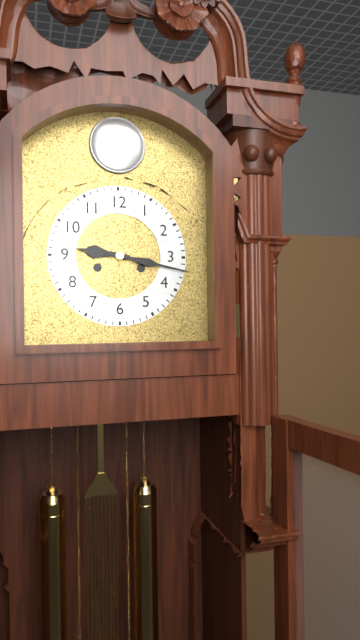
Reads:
9h17
